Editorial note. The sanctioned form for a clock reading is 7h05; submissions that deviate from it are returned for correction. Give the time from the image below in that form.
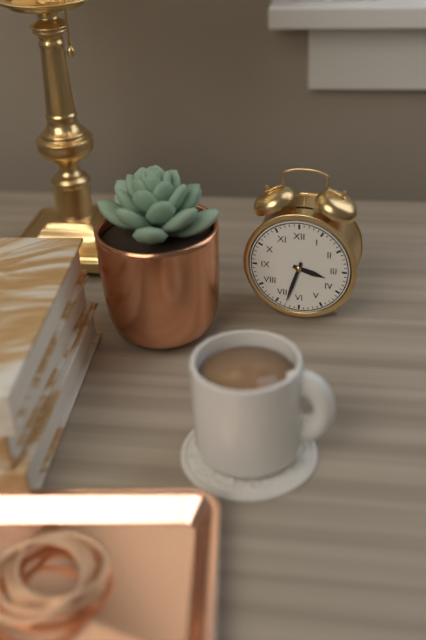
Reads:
3h33
